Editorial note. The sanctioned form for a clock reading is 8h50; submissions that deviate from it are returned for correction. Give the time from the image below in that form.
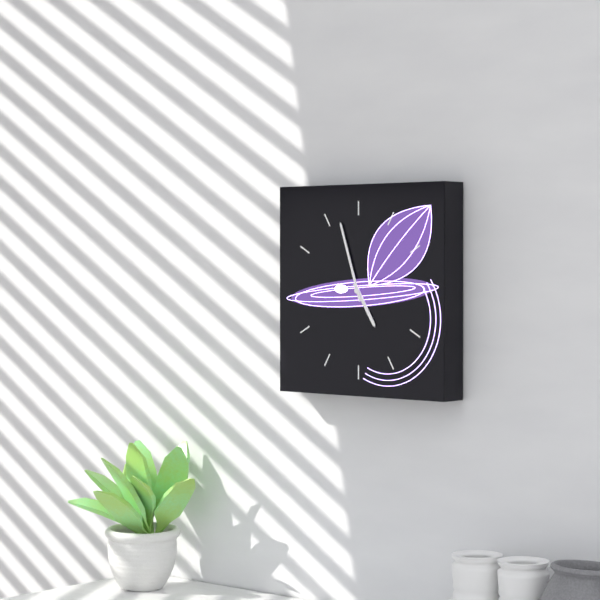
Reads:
4h57
